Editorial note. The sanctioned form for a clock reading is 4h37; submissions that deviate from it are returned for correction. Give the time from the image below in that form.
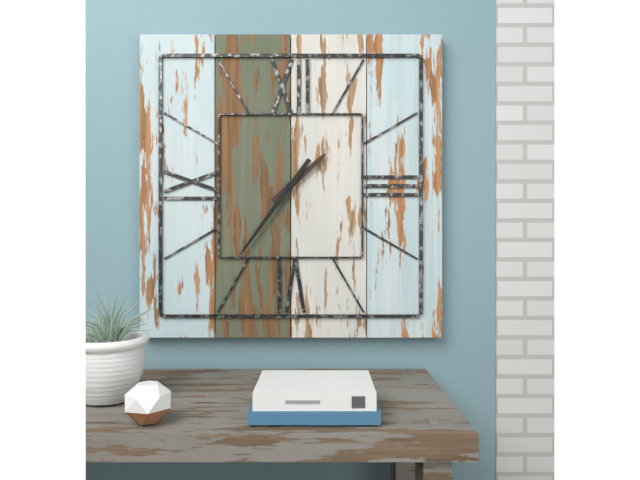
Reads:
1h36
